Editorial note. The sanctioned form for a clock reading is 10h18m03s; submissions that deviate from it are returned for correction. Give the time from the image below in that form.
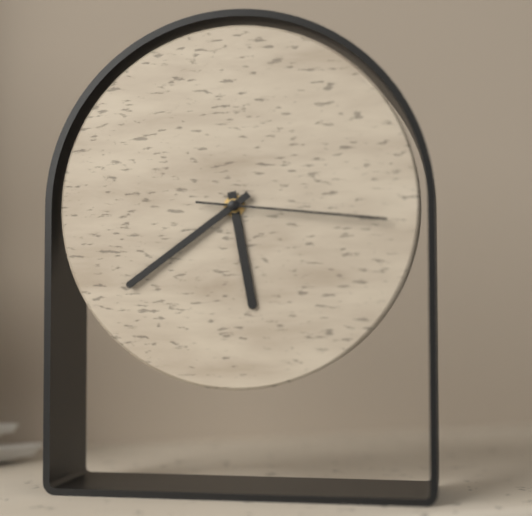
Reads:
5h39m16s
